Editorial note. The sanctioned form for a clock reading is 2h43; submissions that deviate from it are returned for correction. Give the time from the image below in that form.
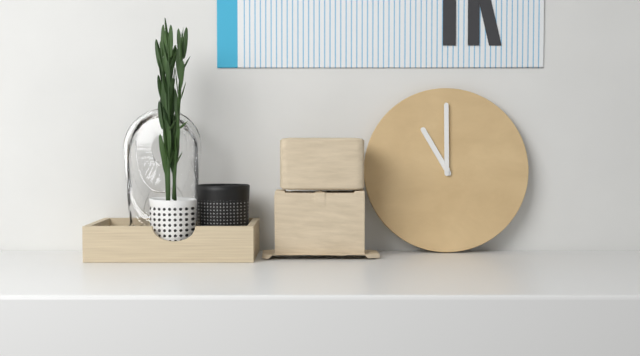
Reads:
11h00
